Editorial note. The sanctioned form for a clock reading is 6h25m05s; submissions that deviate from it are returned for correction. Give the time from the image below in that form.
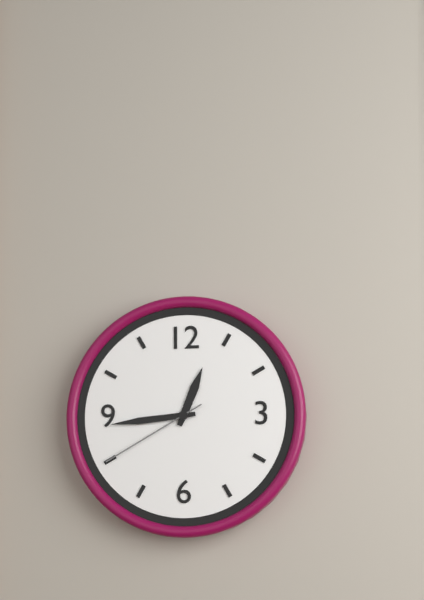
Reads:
12h44m40s
